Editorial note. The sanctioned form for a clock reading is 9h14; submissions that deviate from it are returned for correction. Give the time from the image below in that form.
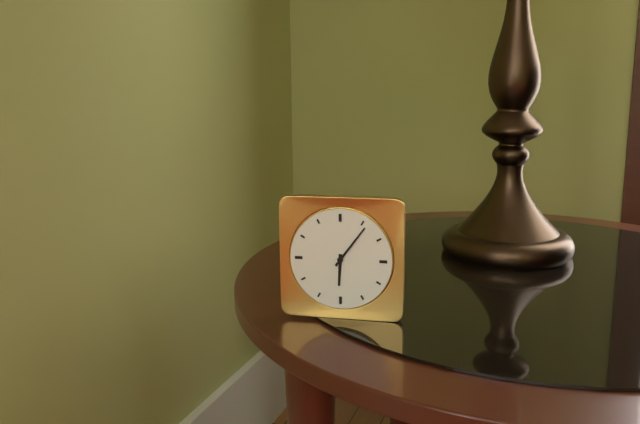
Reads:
6h06
